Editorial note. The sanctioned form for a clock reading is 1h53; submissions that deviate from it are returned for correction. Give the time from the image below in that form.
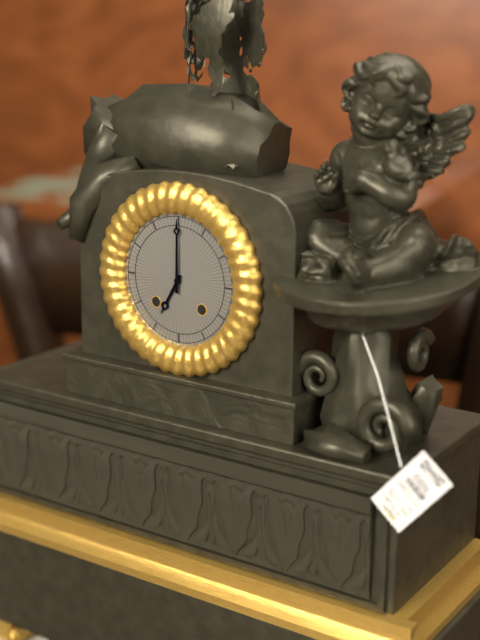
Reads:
7h00
